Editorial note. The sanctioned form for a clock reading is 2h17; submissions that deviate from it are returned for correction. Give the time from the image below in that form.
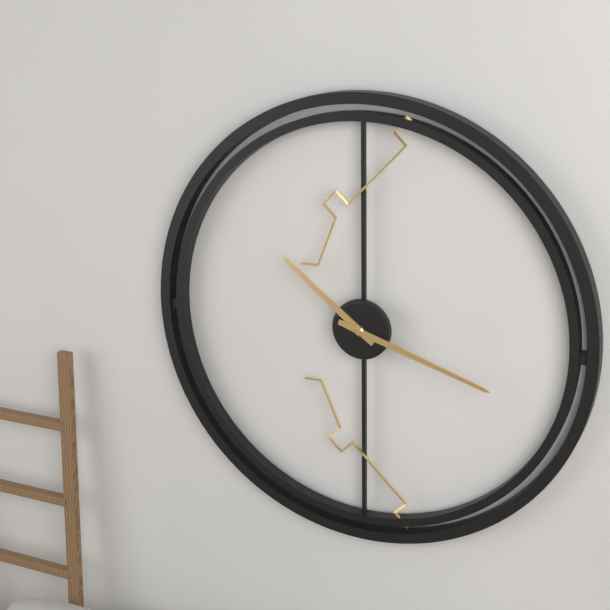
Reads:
10h18
